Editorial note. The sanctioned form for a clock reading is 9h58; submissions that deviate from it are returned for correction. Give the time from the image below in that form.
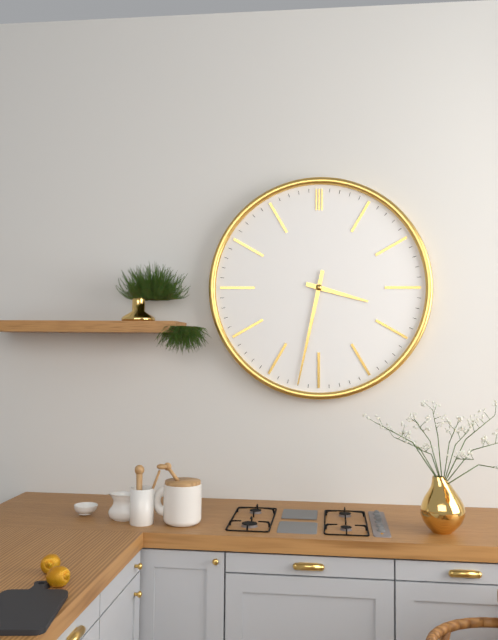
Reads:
3h32
